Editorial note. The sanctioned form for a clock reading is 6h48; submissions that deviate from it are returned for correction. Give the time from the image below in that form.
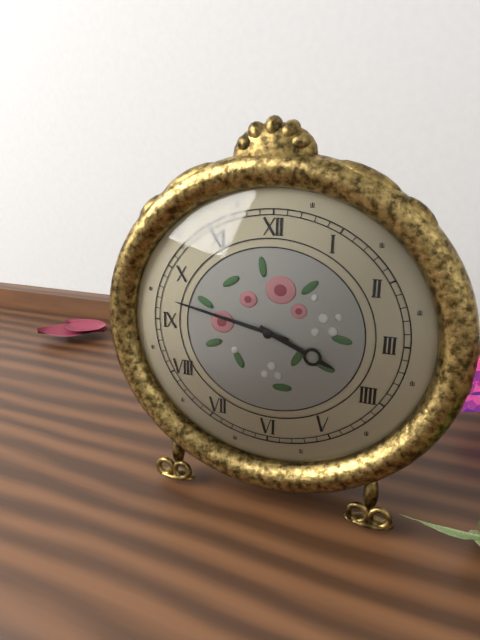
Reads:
3h47
